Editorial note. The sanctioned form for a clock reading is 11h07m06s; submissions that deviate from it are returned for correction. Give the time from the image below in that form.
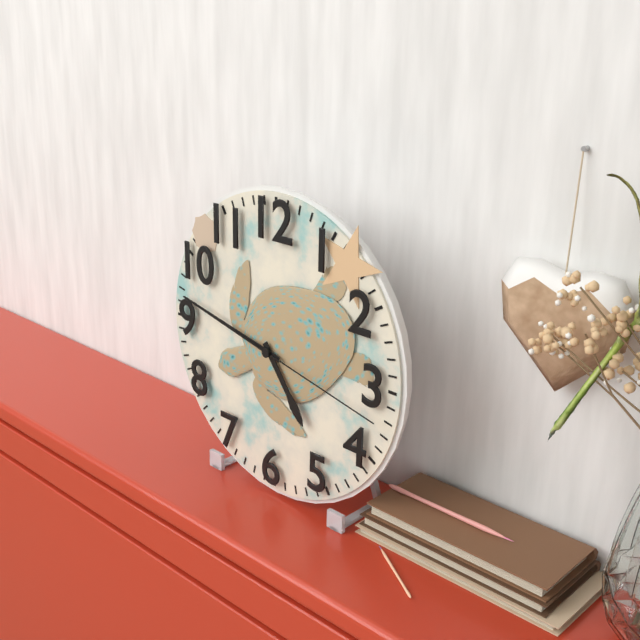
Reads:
4h47m17s
